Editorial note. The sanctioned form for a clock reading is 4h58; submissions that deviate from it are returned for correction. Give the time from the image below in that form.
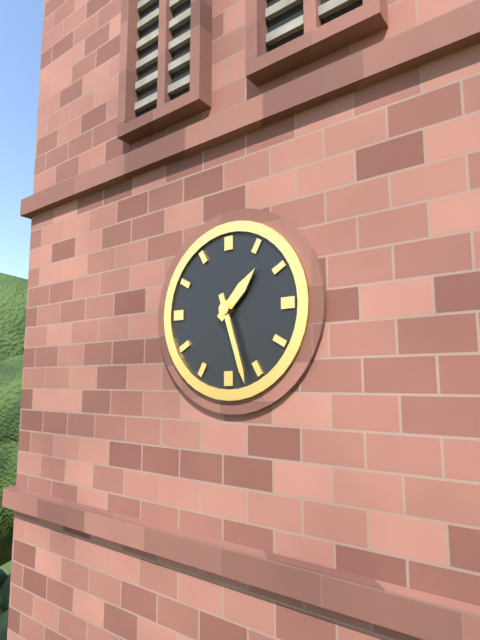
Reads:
1h27
